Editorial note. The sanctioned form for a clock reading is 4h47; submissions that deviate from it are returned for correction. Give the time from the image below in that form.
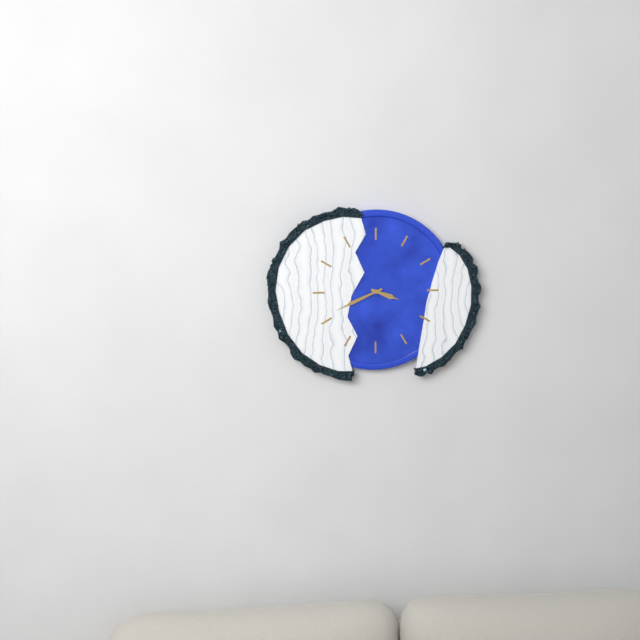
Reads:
3h41
